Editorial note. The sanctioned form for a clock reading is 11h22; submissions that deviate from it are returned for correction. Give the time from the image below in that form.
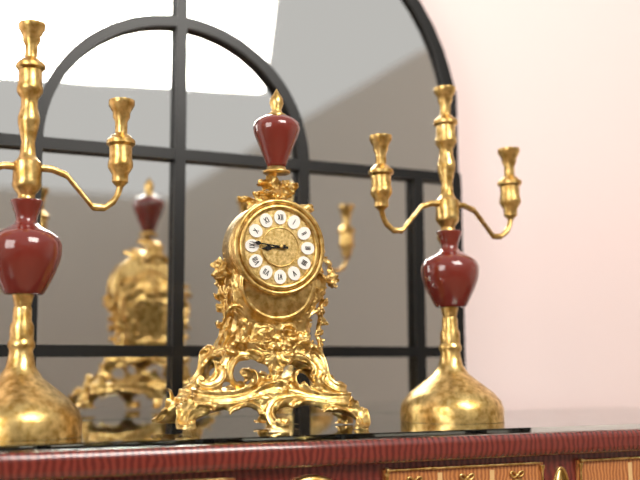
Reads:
8h46
